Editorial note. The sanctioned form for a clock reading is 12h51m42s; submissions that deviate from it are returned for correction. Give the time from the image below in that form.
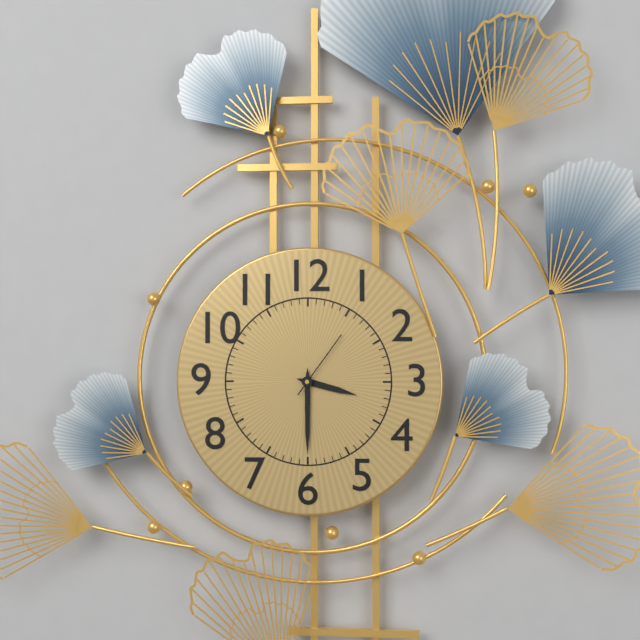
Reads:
3h30m06s
